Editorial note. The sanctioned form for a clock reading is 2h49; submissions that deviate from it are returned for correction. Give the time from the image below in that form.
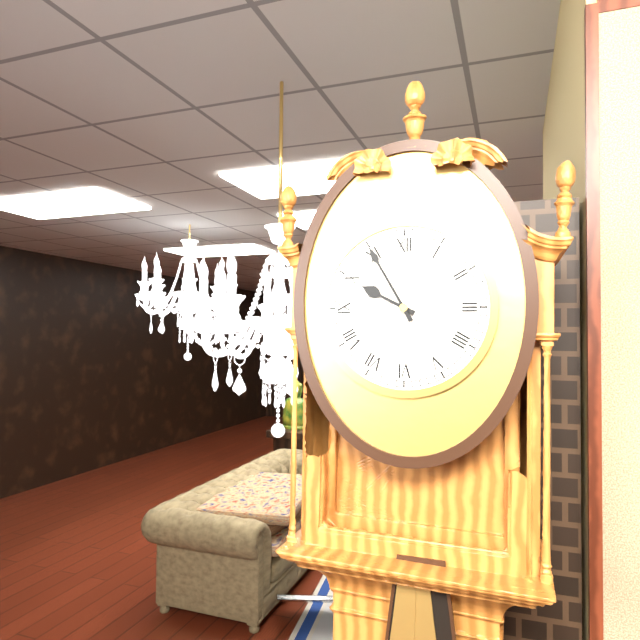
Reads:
9h55
